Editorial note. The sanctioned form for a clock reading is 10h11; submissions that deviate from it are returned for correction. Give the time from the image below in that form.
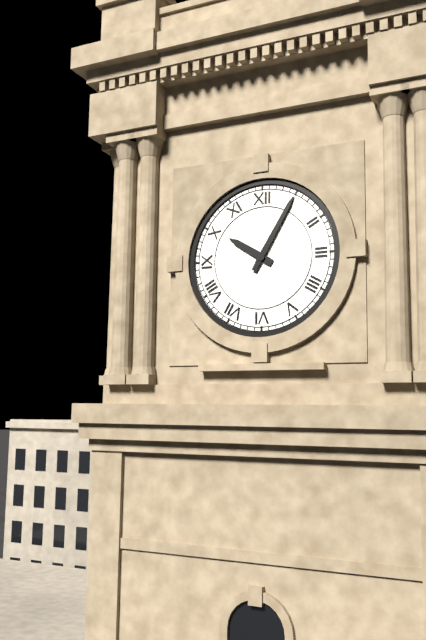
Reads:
10h05
